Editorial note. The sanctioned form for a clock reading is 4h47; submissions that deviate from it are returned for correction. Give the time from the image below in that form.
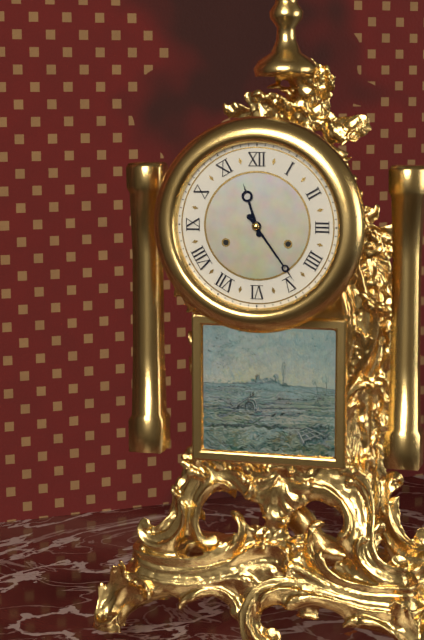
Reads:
11h24
